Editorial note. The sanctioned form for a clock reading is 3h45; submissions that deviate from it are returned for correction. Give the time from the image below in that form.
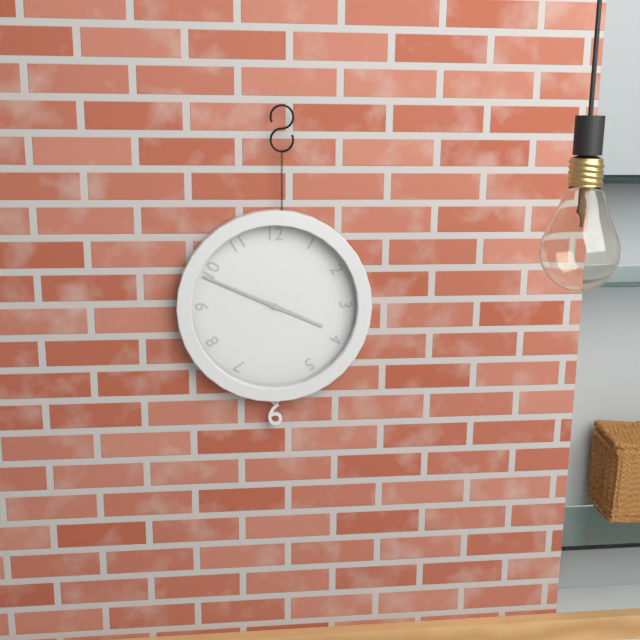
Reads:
3h49
